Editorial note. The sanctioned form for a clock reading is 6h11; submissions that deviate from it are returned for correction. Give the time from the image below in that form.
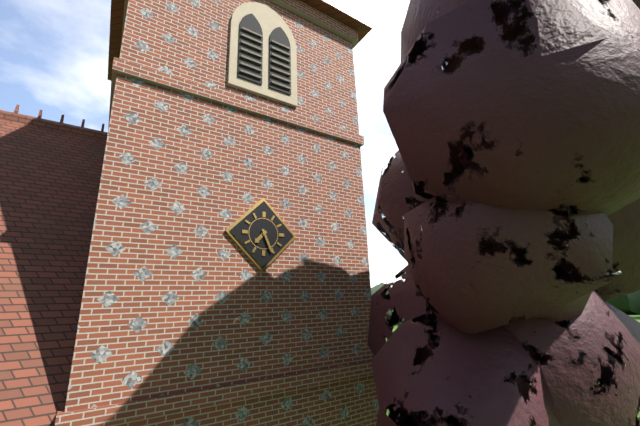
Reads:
7h26
